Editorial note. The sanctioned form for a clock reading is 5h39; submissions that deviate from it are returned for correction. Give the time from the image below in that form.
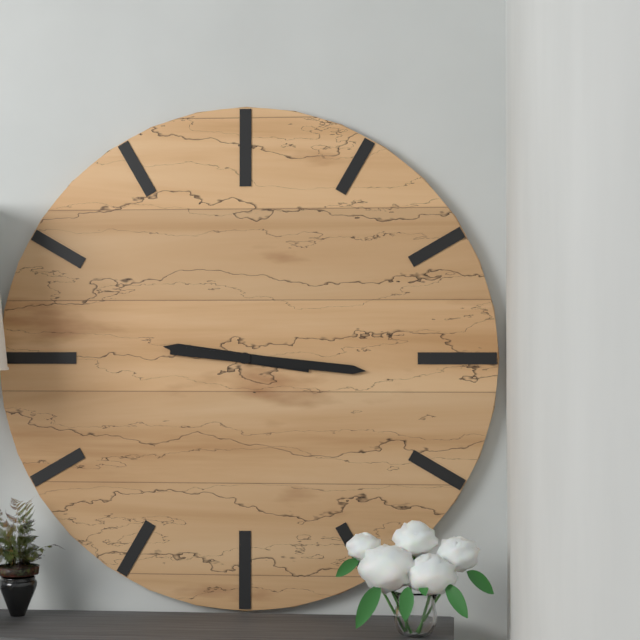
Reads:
9h16
